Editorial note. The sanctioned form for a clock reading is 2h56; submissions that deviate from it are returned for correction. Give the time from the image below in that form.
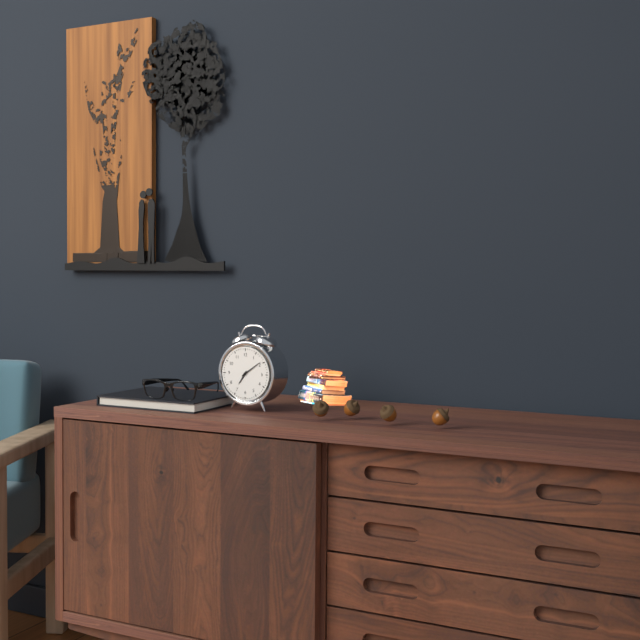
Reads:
7h09
